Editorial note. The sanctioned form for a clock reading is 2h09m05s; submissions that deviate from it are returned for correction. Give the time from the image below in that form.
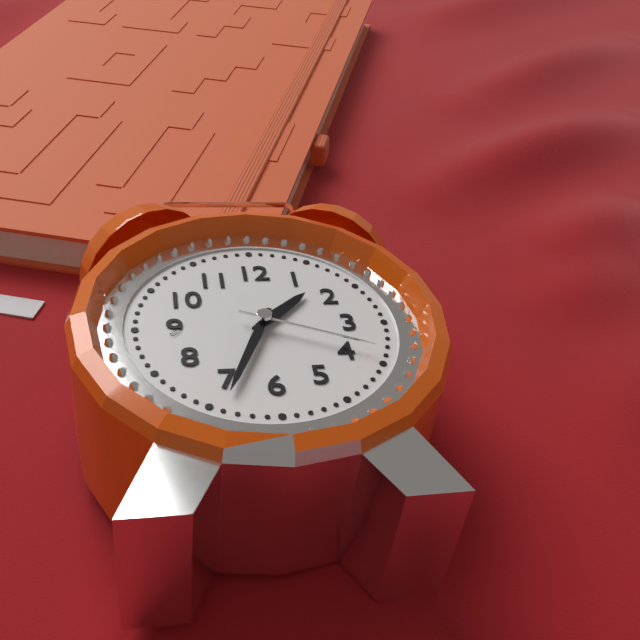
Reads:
1h34m19s
